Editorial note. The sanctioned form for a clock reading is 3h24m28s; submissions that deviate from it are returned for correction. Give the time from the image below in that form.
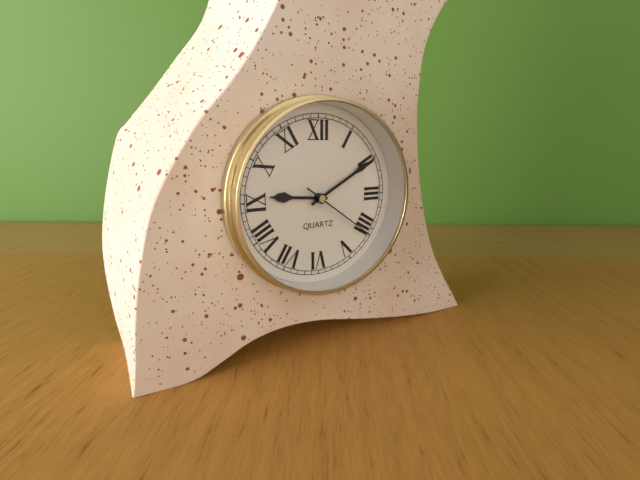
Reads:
9h10m21s
